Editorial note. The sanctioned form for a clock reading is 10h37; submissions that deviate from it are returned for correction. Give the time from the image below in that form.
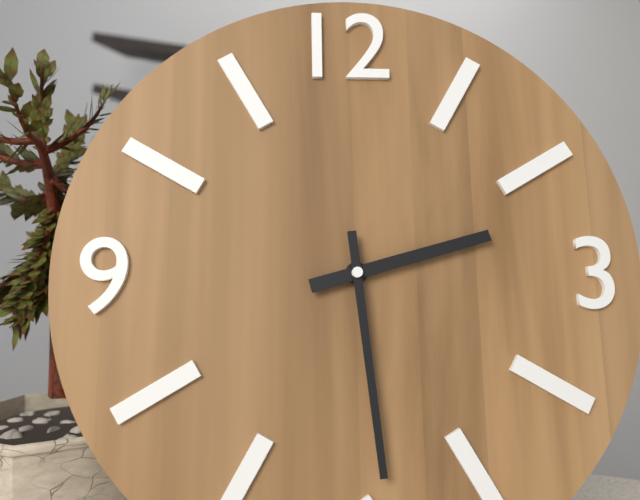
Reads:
2h29
